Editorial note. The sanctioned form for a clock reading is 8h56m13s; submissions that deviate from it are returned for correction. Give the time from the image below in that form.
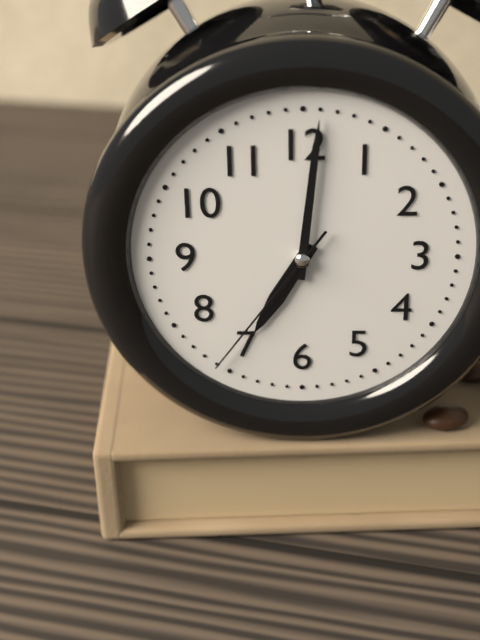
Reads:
7h01m36s
